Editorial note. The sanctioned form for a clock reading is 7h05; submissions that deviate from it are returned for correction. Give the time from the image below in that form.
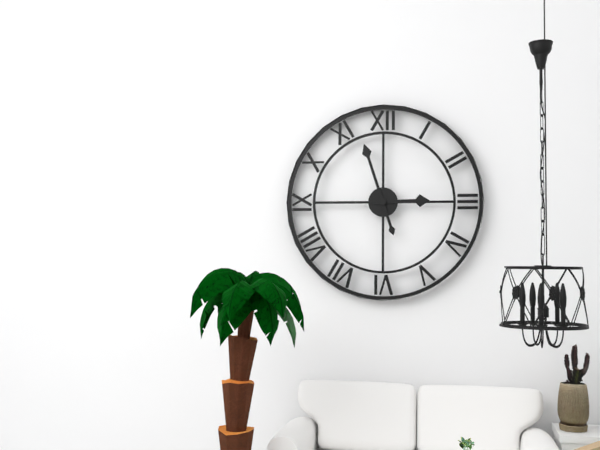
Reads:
2h57
